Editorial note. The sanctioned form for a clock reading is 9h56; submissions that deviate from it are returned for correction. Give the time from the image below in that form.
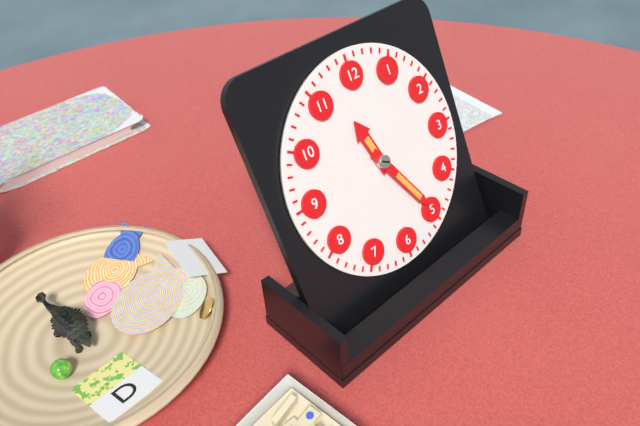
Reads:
11h25
